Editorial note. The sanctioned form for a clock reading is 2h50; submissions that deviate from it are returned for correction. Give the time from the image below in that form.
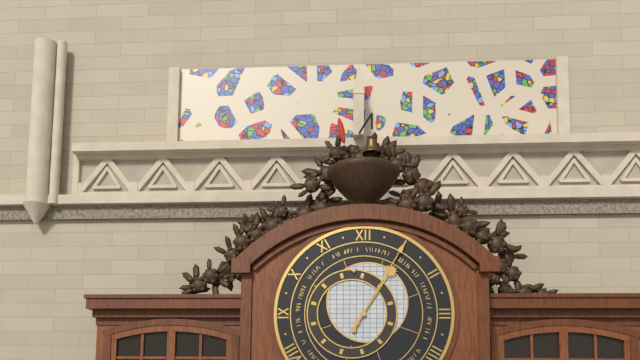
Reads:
1h05
